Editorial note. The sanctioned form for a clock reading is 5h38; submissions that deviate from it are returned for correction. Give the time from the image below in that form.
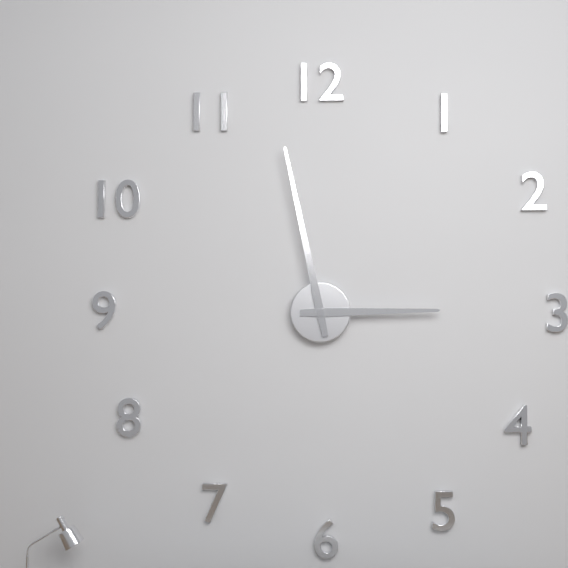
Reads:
2h58
